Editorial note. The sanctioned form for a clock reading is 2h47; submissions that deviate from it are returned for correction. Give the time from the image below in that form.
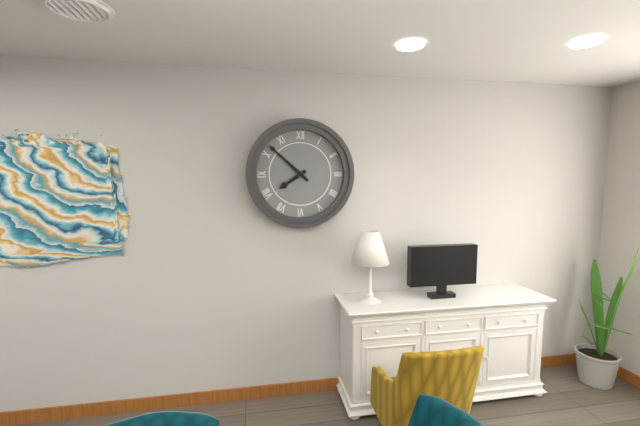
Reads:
7h52
